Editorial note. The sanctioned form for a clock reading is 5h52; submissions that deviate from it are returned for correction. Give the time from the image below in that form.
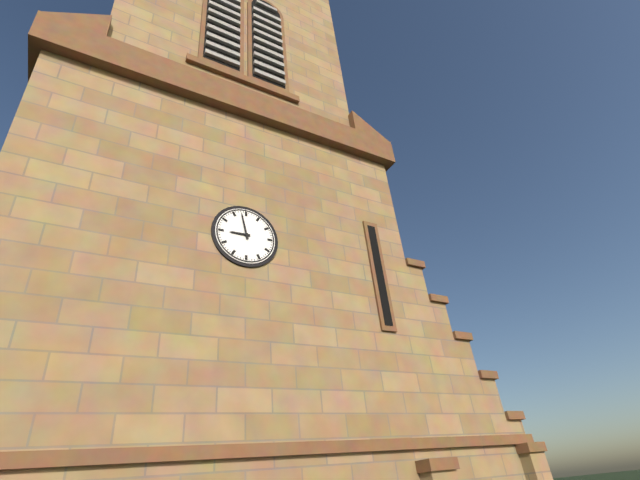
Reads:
8h58
